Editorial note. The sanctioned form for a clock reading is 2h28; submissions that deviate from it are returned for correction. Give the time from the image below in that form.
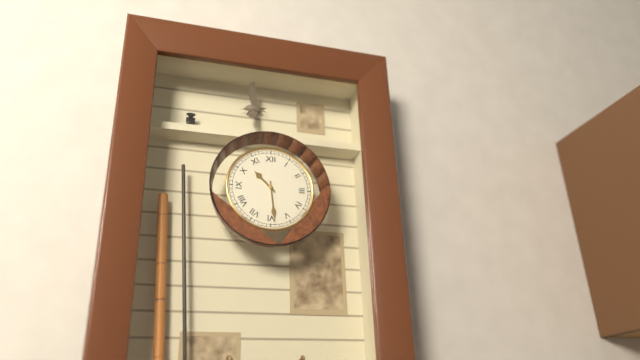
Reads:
10h29
